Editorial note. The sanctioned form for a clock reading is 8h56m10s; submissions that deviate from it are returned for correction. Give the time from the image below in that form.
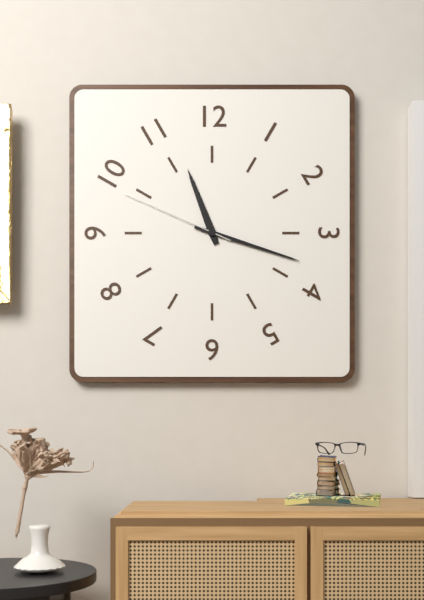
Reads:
11h18m49s
